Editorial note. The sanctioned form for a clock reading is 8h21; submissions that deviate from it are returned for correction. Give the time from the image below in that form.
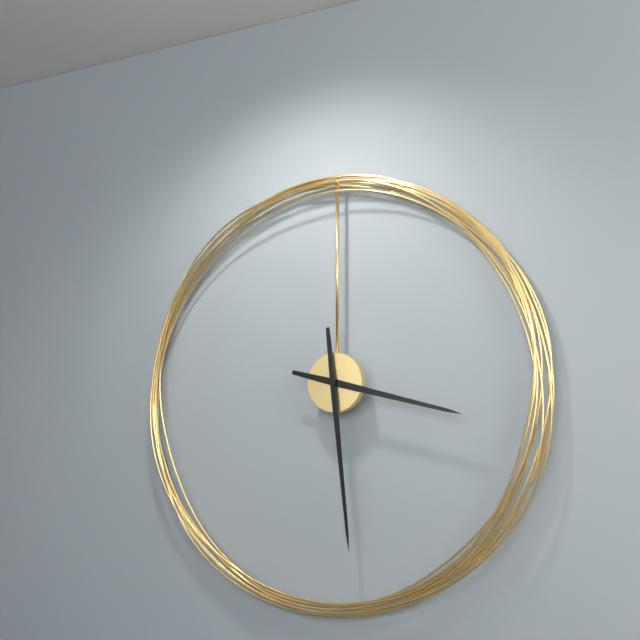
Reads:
3h29
